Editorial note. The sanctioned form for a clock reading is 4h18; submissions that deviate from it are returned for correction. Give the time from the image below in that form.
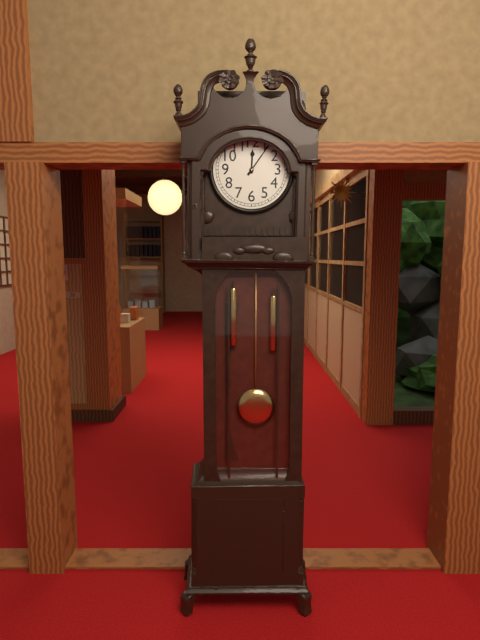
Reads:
12h06
